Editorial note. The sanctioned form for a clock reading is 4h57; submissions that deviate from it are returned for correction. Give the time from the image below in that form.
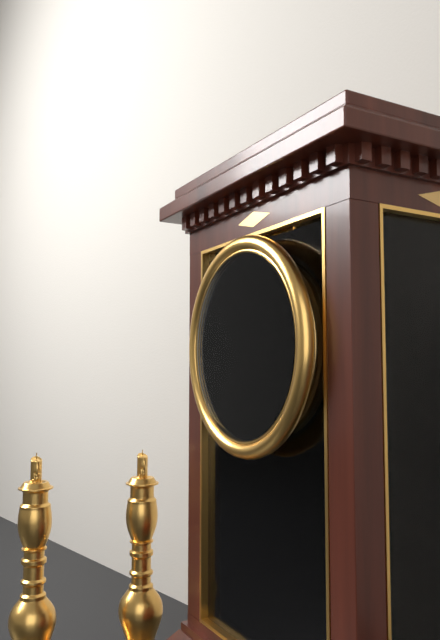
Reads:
5h54
